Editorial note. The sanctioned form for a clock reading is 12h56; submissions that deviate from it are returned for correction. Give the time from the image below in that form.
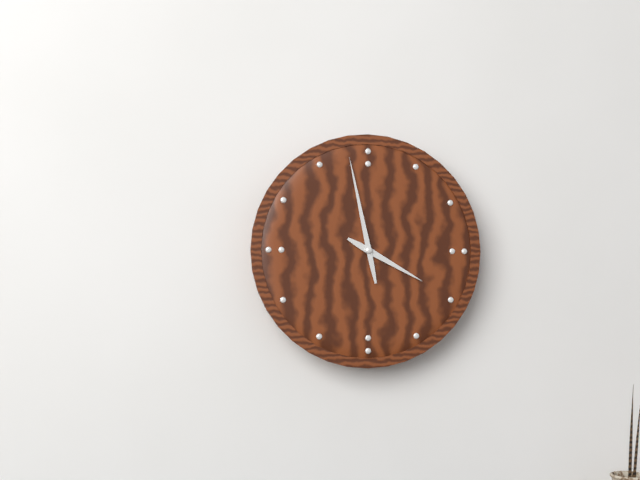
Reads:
3h58
